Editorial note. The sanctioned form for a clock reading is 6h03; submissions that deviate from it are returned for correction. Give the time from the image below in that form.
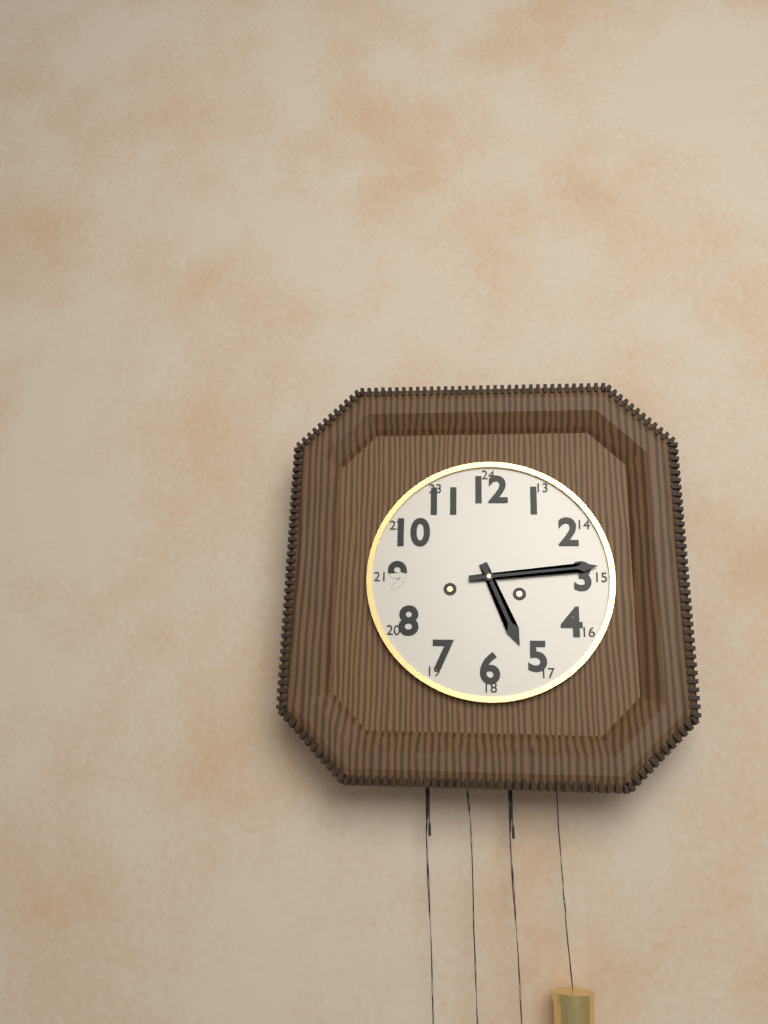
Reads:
5h14
